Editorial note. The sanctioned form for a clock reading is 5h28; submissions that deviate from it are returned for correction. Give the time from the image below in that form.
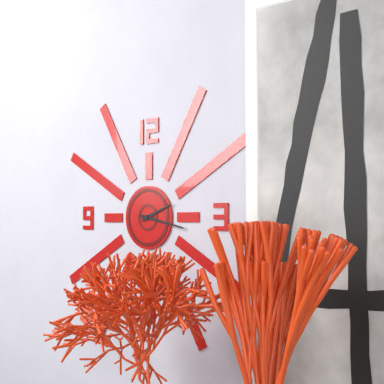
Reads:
2h17
